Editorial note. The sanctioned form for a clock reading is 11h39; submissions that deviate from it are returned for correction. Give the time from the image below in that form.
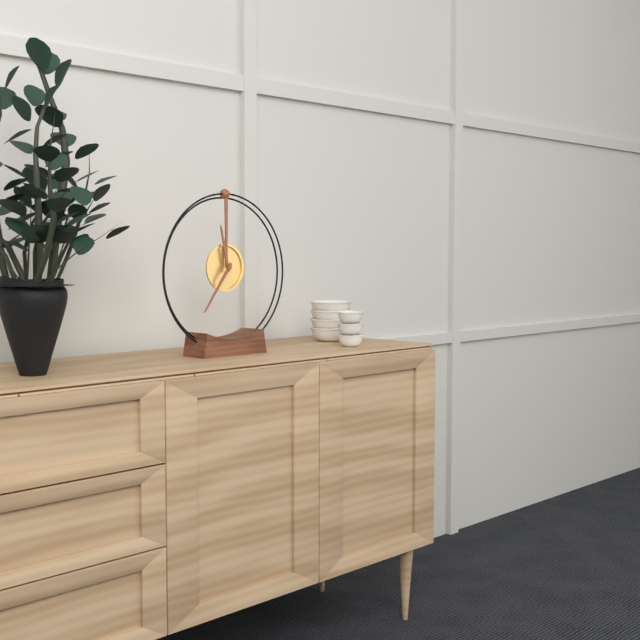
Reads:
11h36
